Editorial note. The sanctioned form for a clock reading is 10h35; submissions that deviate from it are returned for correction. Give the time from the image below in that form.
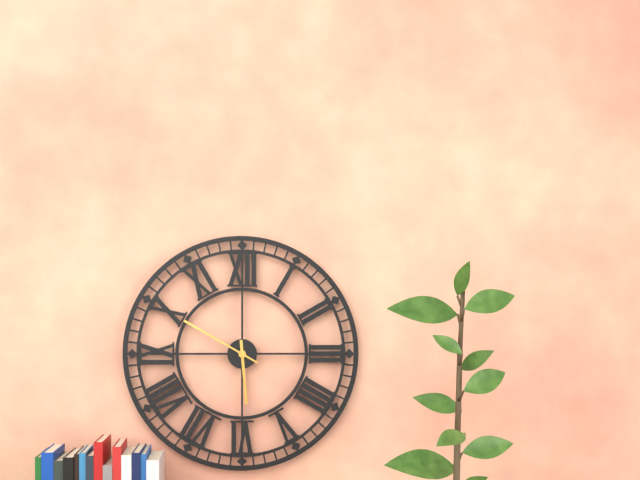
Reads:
5h50
